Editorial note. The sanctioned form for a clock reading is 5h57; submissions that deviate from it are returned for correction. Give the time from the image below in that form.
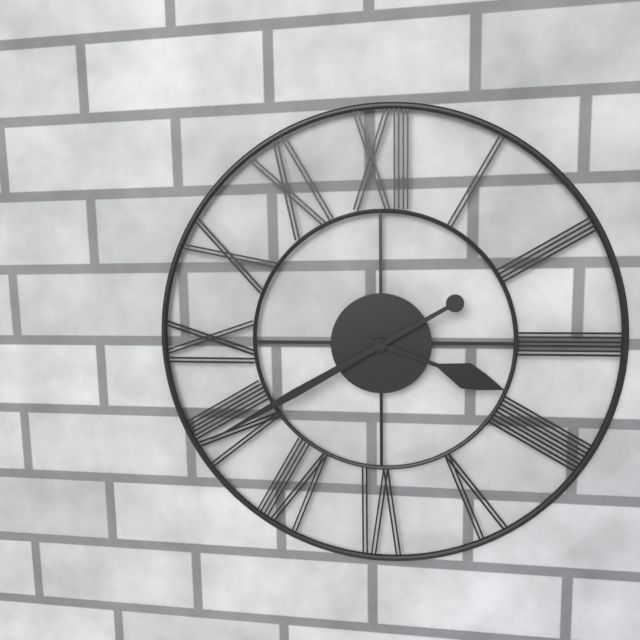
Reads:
3h40
